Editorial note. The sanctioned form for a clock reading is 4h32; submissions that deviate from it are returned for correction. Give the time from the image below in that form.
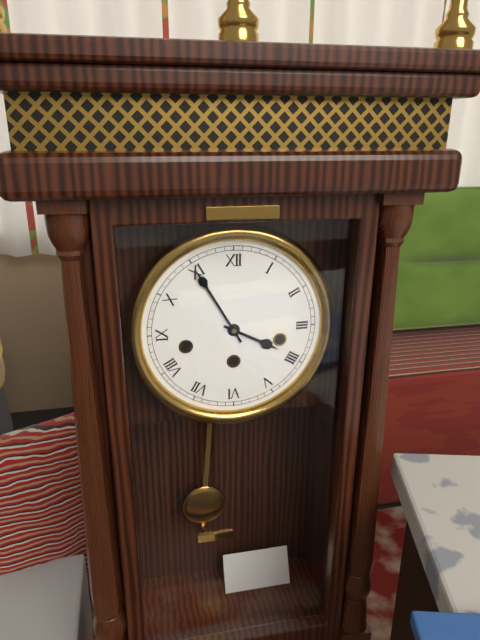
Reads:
3h55
